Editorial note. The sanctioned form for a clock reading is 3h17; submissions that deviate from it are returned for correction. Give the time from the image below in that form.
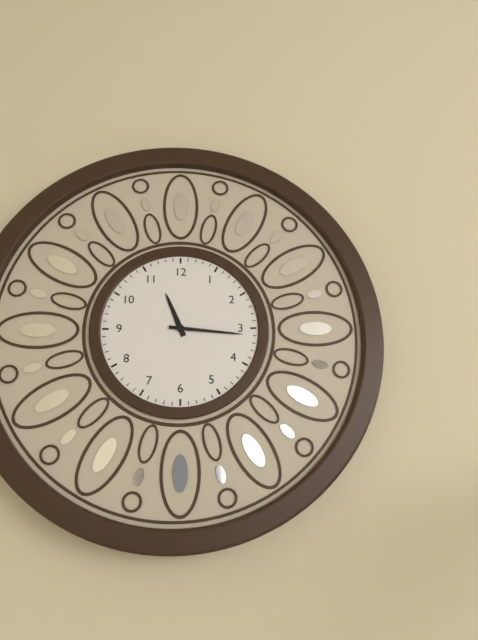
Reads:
11h16
